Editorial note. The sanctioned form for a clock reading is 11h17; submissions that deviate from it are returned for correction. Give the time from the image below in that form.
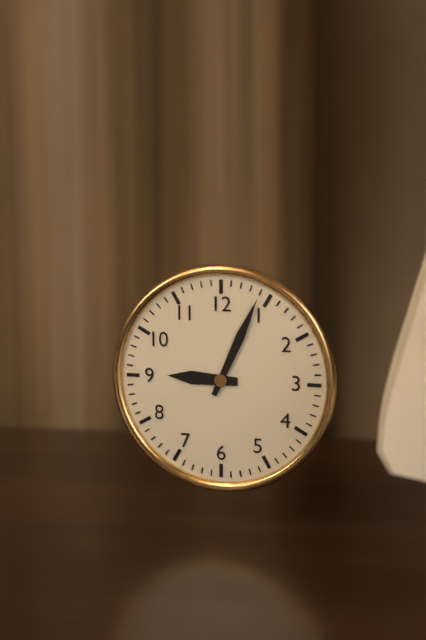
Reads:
9h04
